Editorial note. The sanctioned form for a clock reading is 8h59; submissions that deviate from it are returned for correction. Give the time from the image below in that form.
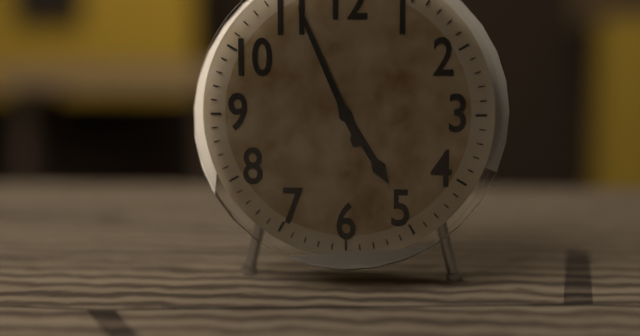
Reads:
4h56
